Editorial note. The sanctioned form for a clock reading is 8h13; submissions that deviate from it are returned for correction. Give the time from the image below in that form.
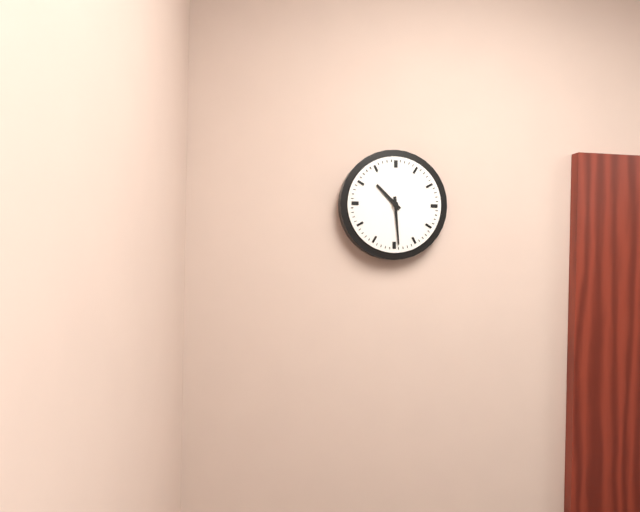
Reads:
10h29
